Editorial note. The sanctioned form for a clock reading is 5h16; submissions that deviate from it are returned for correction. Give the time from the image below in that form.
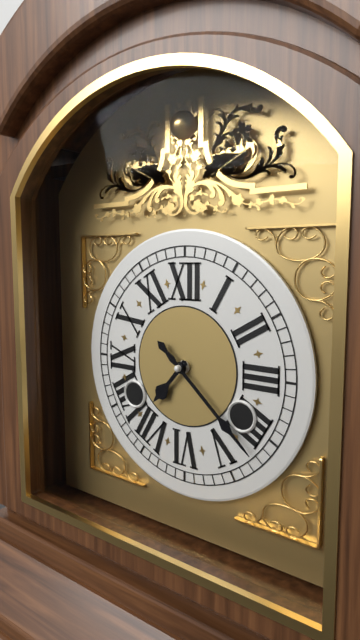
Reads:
7h22
